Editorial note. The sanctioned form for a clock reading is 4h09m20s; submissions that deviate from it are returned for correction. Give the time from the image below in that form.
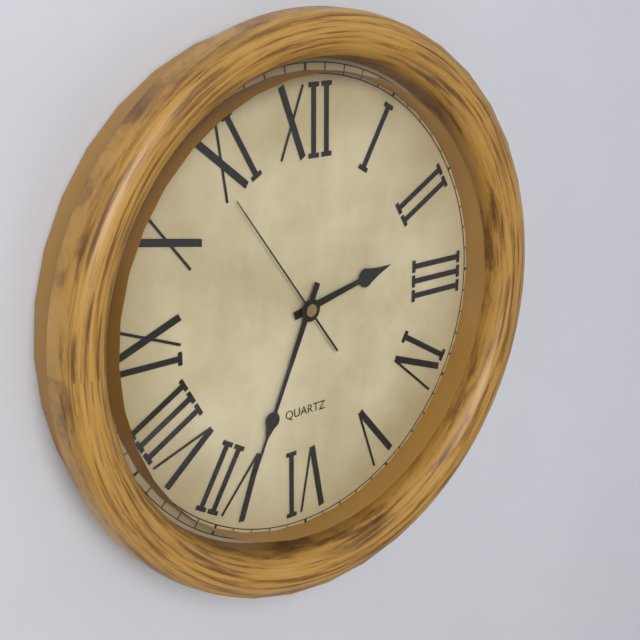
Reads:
2h34m54s
